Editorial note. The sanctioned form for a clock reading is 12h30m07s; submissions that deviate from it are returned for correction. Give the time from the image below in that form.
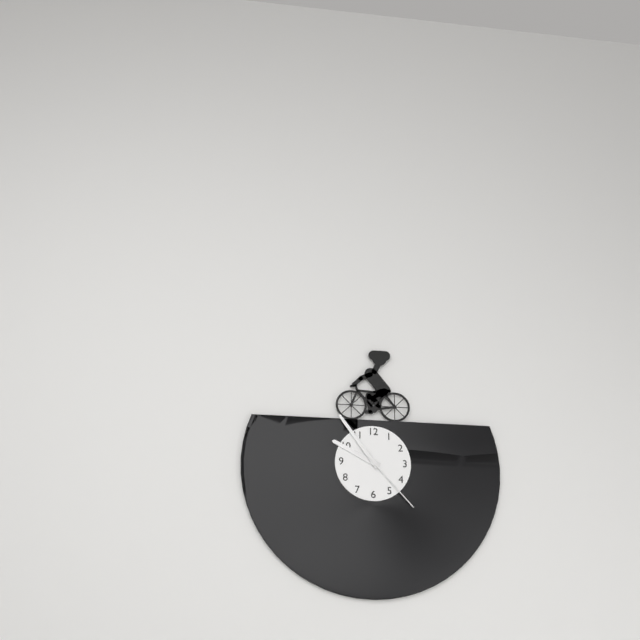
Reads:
9h54m23s
